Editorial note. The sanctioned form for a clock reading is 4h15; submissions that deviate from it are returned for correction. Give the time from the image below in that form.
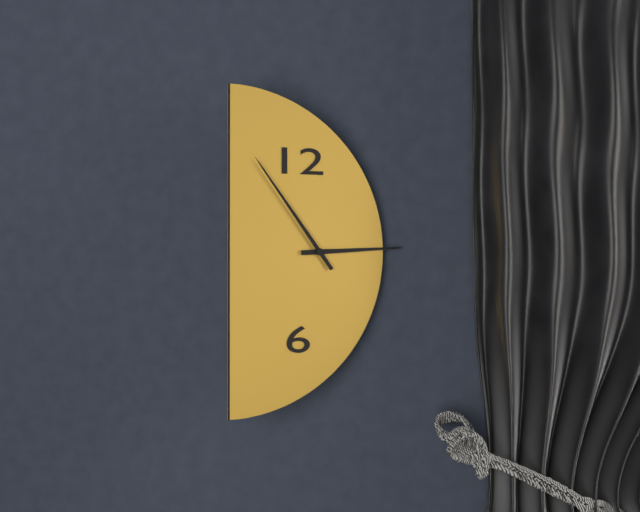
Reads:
2h54
